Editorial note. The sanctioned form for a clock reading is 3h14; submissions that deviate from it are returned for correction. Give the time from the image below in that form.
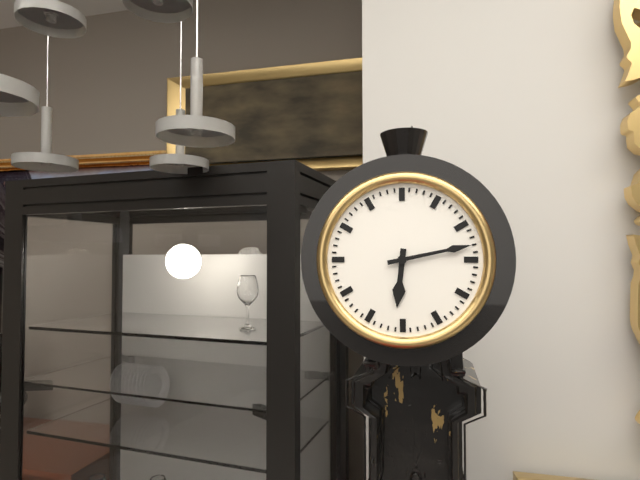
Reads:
6h13
